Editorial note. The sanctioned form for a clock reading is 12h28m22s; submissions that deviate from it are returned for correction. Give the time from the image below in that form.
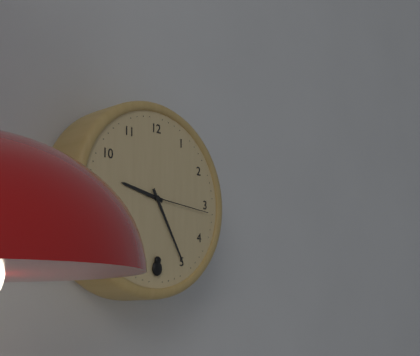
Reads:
9h25m16s
